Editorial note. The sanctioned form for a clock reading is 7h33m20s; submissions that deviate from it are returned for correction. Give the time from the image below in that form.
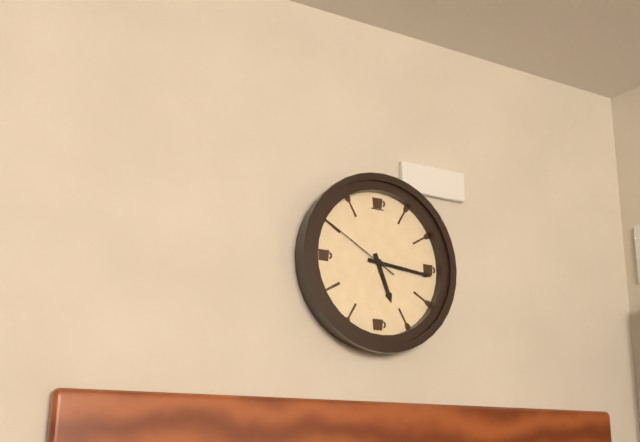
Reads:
5h16m50s
